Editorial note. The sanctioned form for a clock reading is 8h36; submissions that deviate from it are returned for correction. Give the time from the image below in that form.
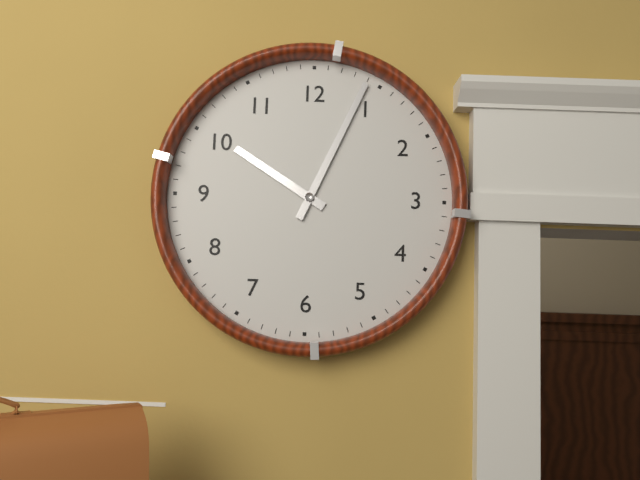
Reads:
10h04
